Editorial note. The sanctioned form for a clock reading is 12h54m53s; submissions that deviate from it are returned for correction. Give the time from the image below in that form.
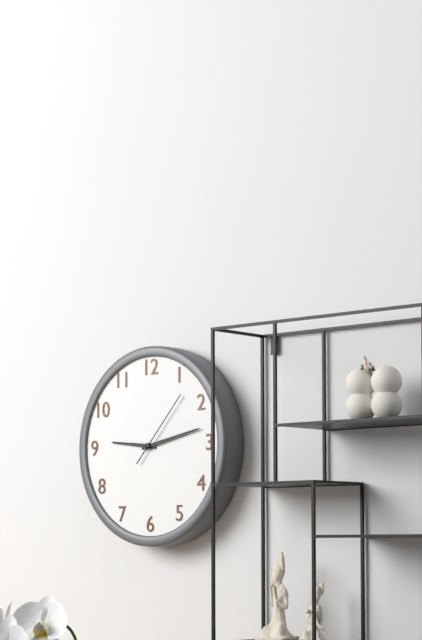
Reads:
9h13m07s
